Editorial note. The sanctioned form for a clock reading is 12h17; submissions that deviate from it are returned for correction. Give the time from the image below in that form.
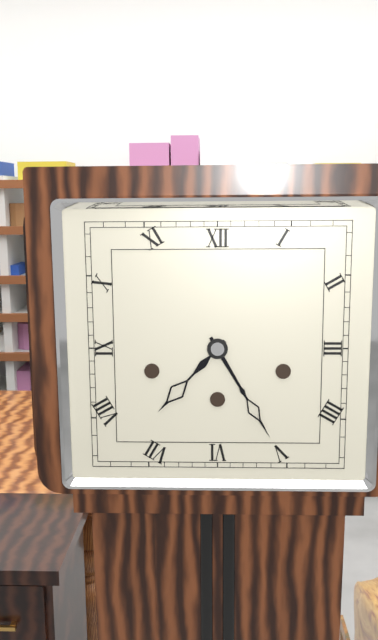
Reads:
7h25
